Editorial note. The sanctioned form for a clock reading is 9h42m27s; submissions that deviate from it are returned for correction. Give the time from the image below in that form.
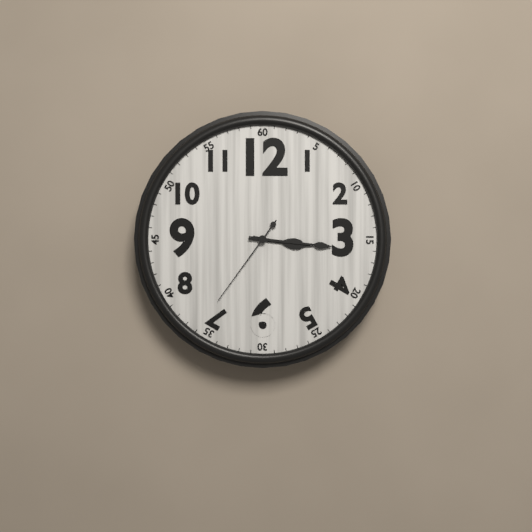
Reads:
3h16m36s
